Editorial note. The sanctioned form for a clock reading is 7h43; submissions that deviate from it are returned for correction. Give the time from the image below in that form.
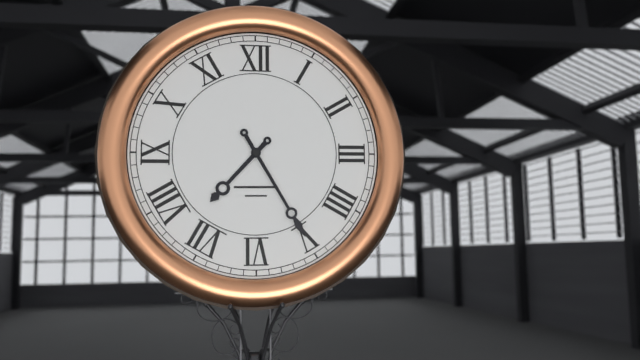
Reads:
7h25
